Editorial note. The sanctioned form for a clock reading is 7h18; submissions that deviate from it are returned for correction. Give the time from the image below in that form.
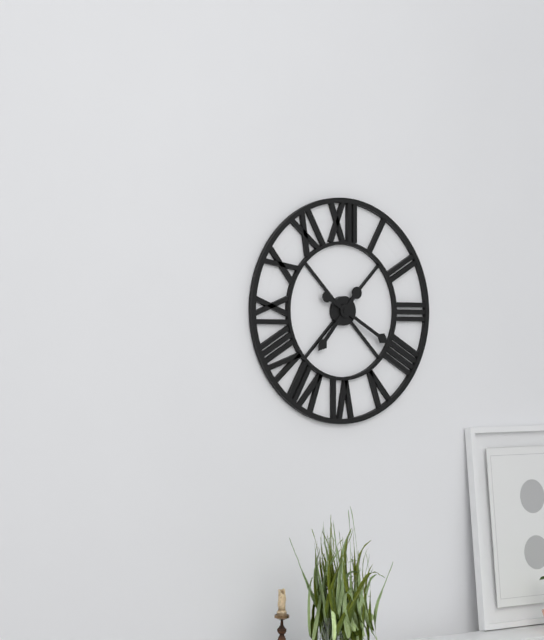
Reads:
7h20
